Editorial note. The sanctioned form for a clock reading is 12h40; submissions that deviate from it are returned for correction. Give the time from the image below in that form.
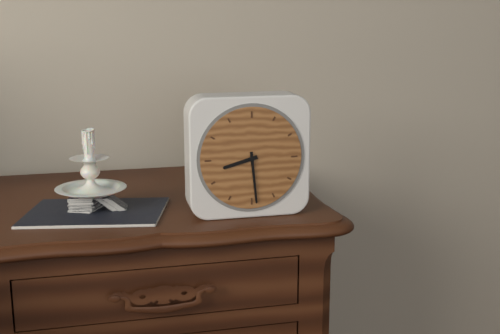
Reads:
8h29
